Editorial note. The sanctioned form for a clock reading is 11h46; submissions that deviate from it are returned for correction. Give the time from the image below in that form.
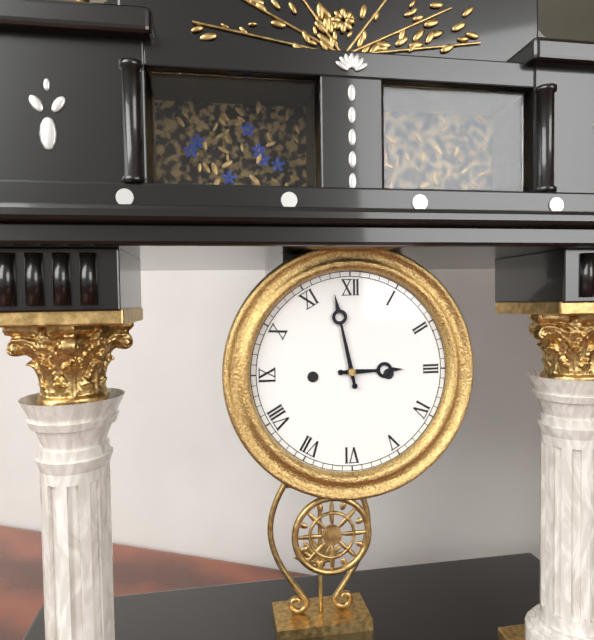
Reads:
2h58
